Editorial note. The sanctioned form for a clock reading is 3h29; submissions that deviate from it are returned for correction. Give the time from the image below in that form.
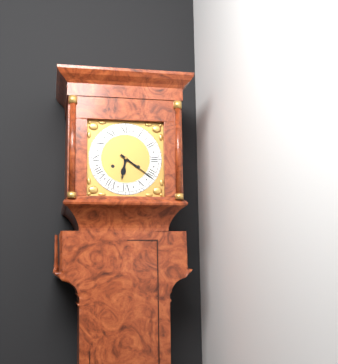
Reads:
6h21
